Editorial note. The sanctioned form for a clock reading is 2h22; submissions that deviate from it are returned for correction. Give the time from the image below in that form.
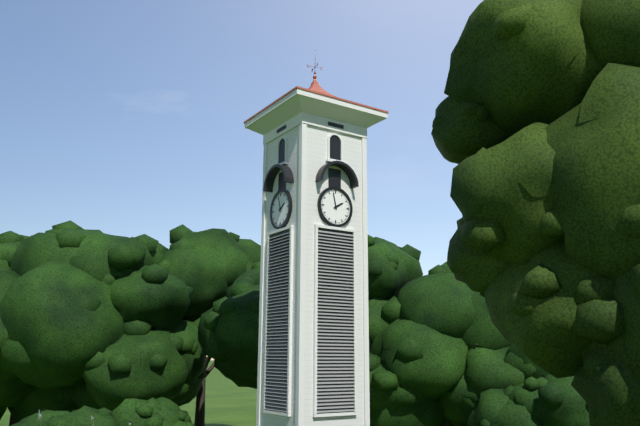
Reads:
1h58
